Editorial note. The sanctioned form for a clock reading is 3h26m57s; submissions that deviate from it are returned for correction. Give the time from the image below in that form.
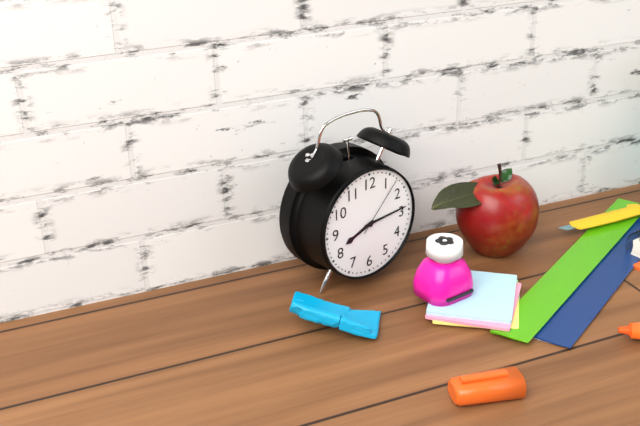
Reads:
8h14m07s
